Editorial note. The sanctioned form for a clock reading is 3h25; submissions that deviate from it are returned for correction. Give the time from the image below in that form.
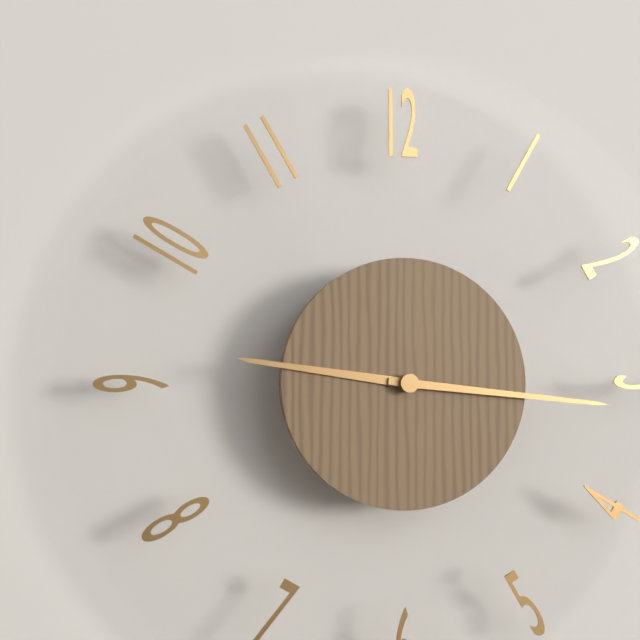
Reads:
9h16
